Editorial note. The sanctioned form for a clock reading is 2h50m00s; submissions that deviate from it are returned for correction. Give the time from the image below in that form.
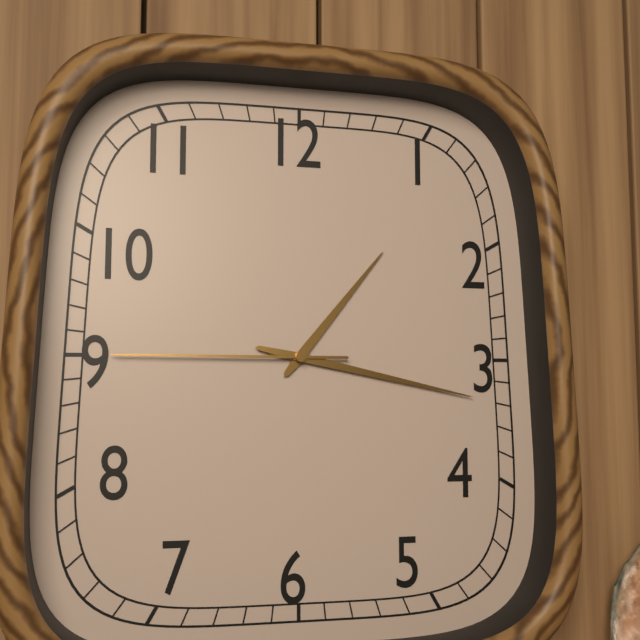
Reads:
1h17m45s
